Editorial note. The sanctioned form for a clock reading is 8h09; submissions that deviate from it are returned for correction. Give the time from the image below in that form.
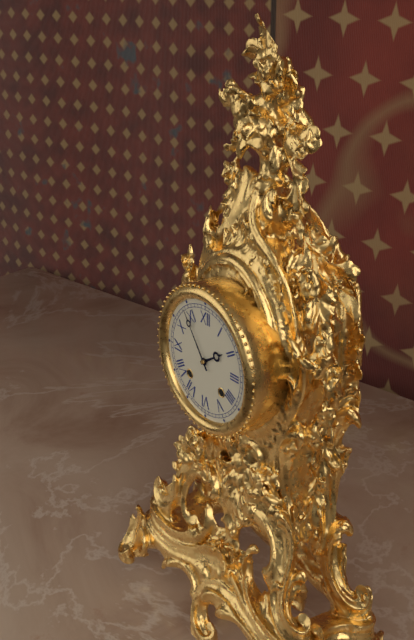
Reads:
1h54
